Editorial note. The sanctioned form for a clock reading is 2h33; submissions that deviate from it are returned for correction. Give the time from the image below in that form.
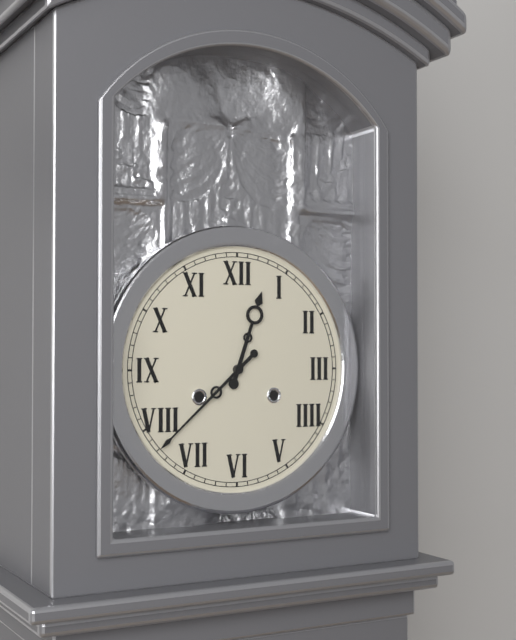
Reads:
12h38
